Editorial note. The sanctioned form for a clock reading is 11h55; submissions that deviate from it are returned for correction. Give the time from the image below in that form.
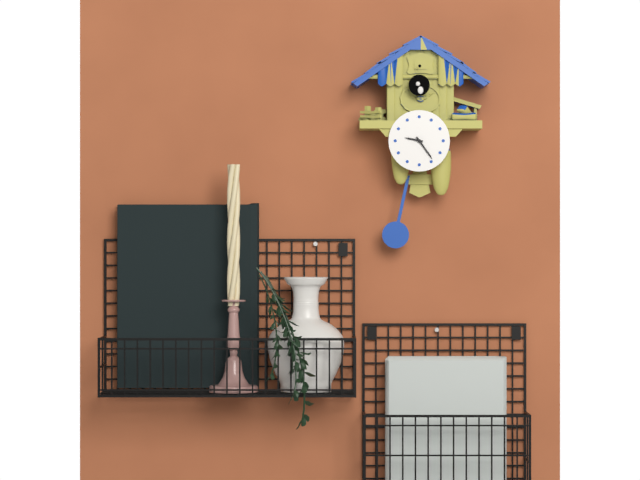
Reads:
9h24
